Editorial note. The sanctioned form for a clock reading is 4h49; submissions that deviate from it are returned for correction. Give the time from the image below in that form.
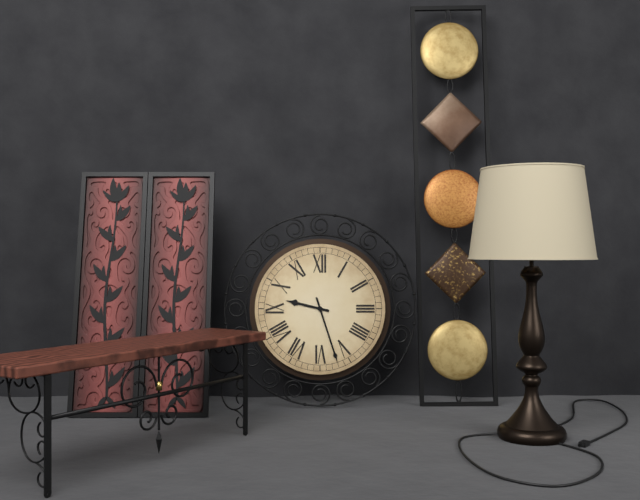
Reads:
9h27
